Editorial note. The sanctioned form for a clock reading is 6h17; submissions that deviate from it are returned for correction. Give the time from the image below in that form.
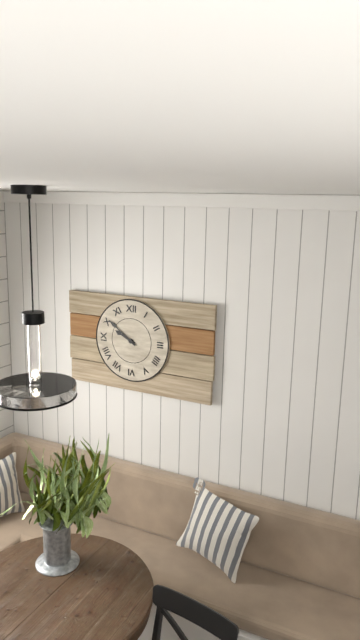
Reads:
9h51
